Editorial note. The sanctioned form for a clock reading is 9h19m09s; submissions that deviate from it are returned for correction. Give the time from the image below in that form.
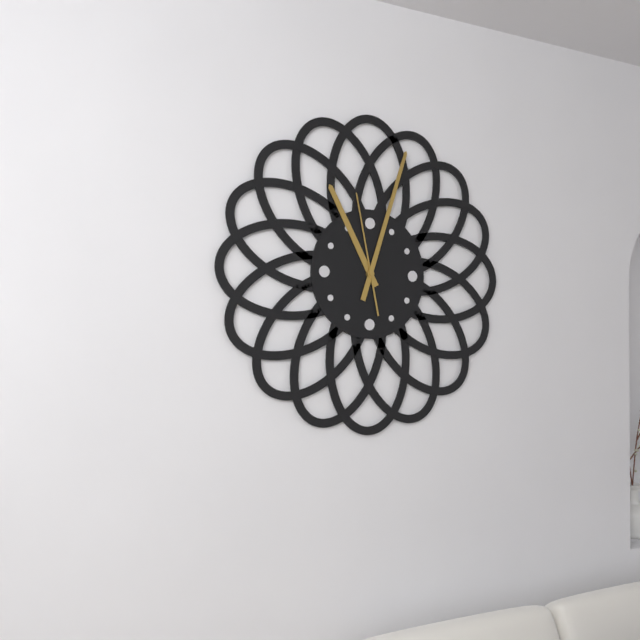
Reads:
11h03m58s
